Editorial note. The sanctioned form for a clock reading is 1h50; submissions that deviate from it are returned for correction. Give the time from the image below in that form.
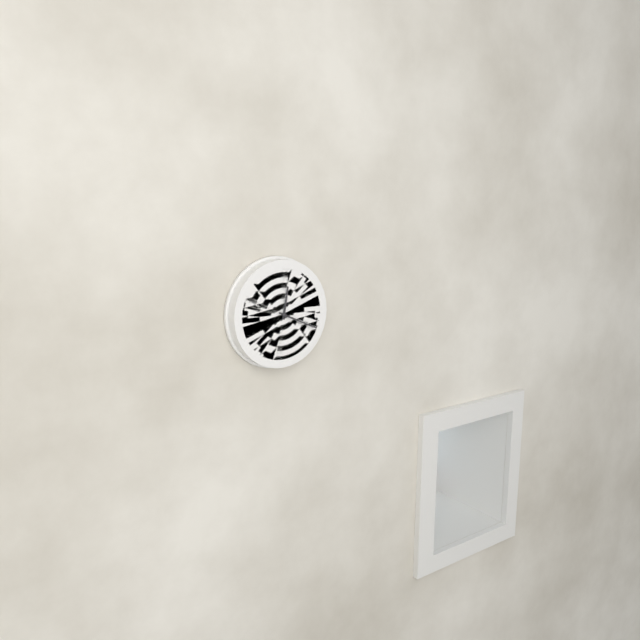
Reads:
12h19
